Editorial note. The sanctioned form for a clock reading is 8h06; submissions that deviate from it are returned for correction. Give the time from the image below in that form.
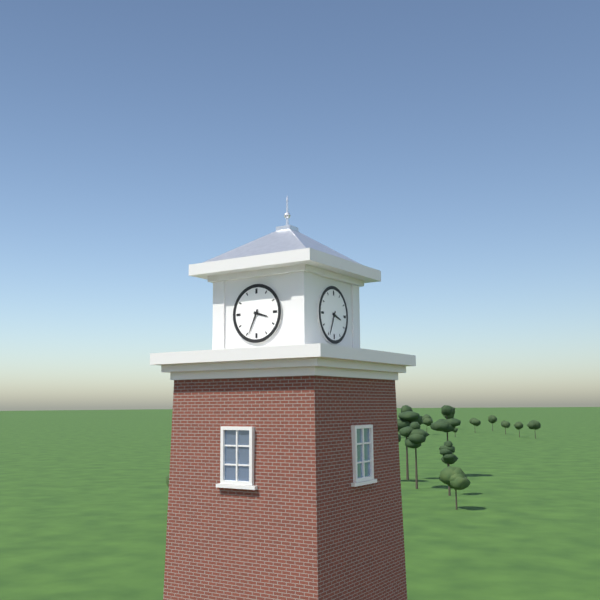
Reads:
3h34
